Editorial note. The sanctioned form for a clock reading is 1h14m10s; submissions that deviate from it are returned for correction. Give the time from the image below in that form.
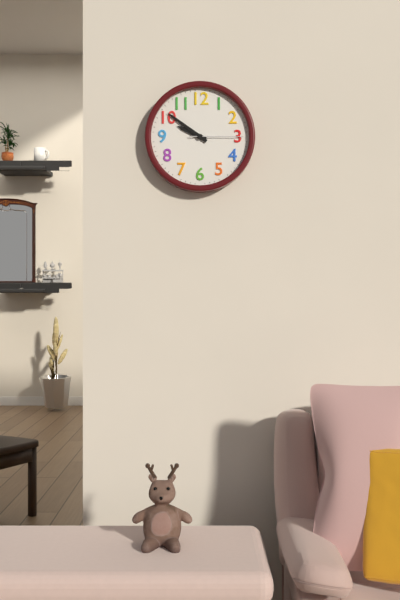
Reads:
9h51m15s
